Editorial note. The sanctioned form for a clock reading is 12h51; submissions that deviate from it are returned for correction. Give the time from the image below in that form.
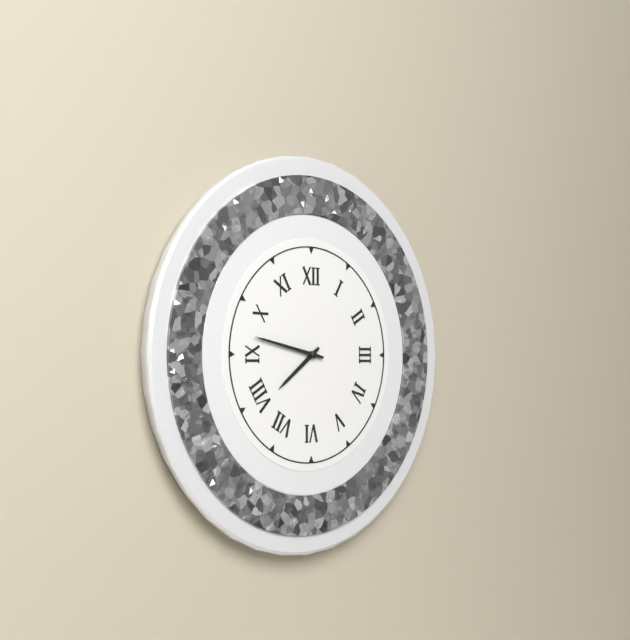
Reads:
7h47
